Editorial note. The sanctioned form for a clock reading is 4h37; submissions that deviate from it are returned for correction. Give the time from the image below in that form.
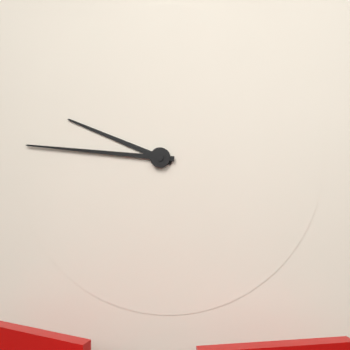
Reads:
9h46
